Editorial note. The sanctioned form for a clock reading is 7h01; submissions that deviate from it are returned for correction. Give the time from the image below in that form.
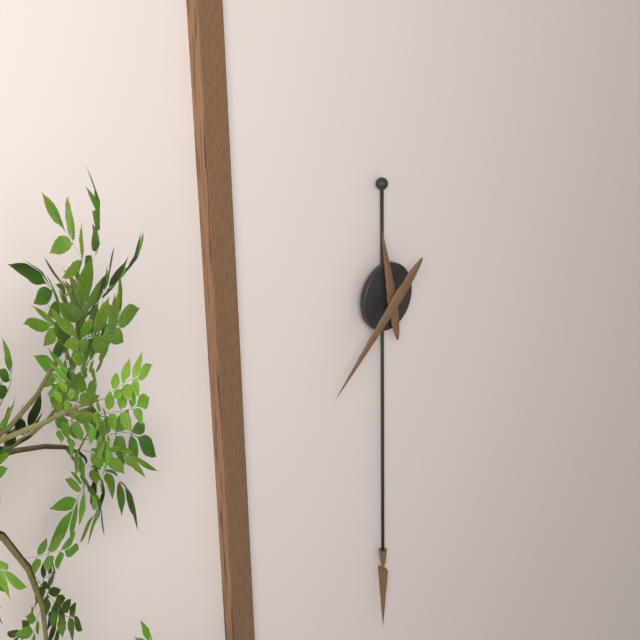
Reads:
11h38
